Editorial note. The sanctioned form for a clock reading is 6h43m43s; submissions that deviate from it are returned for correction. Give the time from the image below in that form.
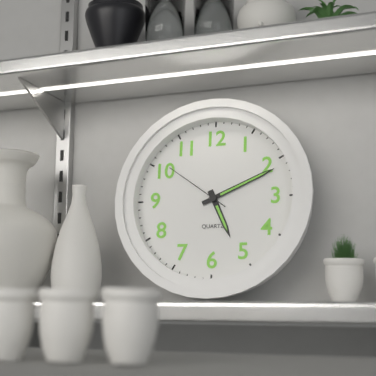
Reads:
5h11m51s
